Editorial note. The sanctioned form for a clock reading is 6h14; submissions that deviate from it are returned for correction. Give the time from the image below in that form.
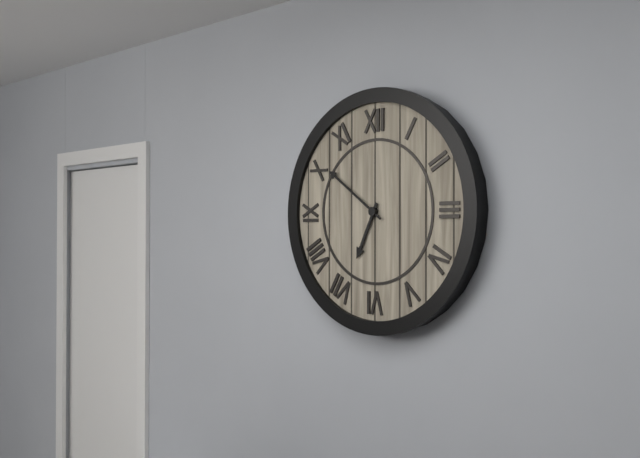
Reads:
6h51
